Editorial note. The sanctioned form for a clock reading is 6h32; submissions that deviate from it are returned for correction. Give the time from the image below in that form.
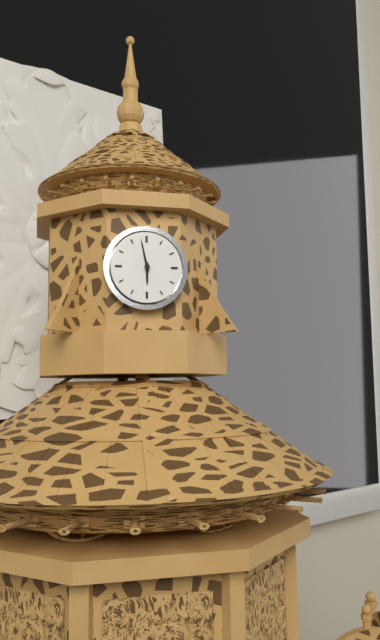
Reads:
5h58
